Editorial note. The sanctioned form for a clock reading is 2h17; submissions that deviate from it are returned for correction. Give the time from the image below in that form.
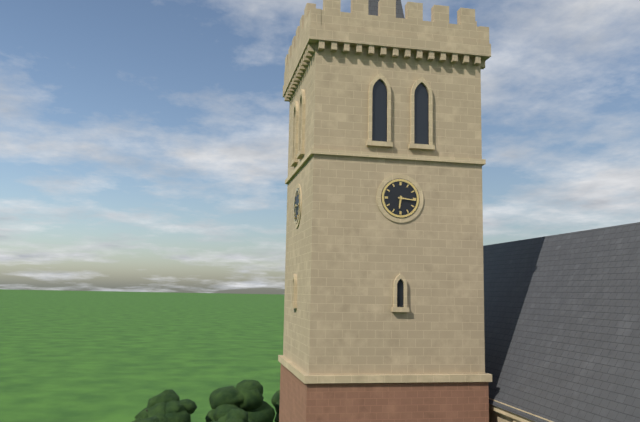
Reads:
6h16
